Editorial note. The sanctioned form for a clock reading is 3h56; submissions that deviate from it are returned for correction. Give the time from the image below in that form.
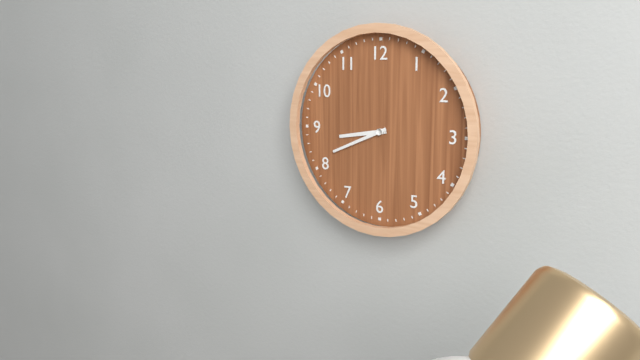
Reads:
8h41
